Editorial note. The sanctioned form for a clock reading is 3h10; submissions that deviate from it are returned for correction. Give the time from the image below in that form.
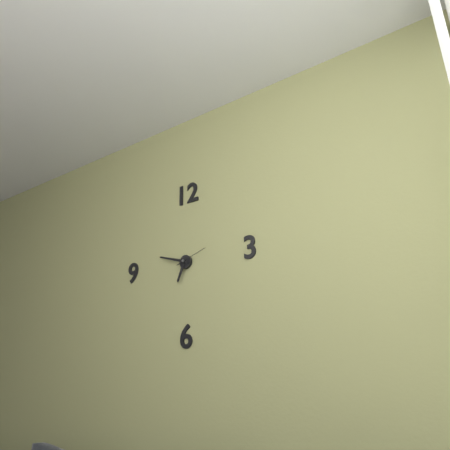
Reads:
6h48
